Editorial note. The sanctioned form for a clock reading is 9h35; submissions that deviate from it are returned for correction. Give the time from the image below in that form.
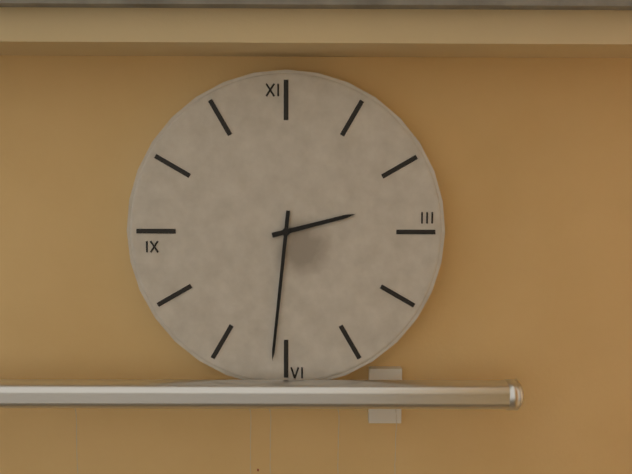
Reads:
2h31
